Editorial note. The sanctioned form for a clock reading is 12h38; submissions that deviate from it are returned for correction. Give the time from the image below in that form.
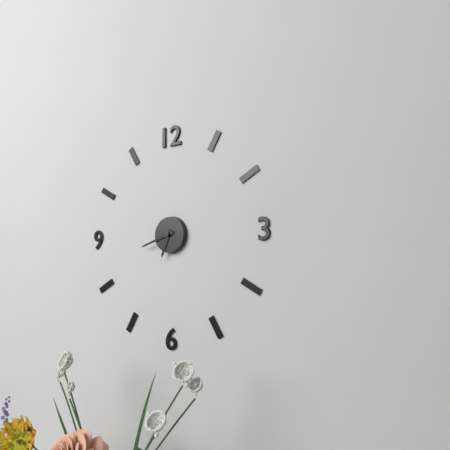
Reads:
6h42
